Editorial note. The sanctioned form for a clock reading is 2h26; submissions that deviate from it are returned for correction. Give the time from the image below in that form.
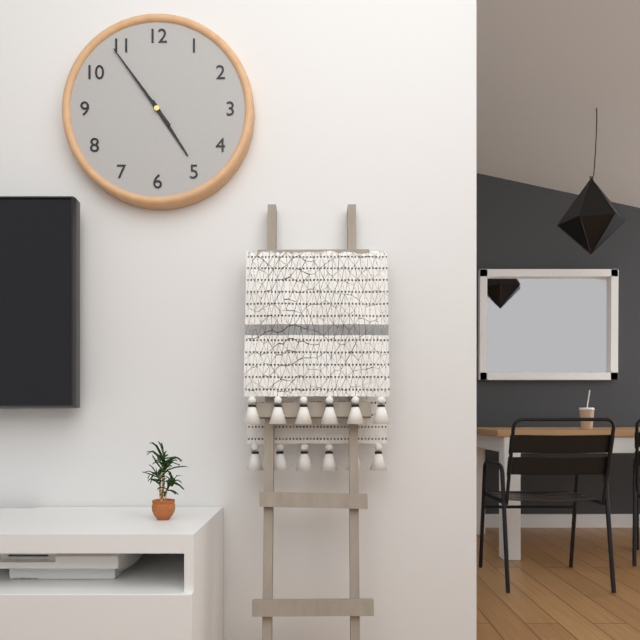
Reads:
4h54
